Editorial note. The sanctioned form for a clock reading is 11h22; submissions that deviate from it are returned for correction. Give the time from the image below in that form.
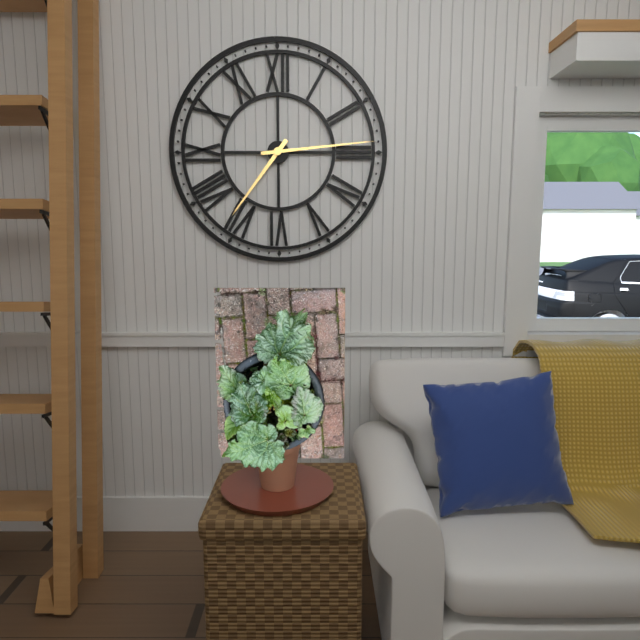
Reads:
7h14
